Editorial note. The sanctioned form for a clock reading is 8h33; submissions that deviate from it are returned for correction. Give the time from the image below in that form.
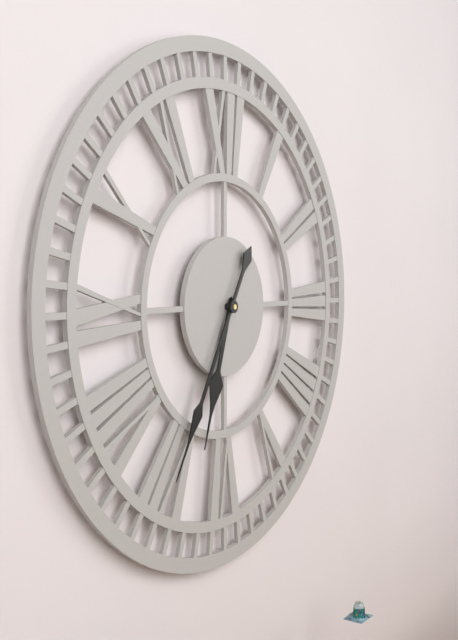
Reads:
6h35
